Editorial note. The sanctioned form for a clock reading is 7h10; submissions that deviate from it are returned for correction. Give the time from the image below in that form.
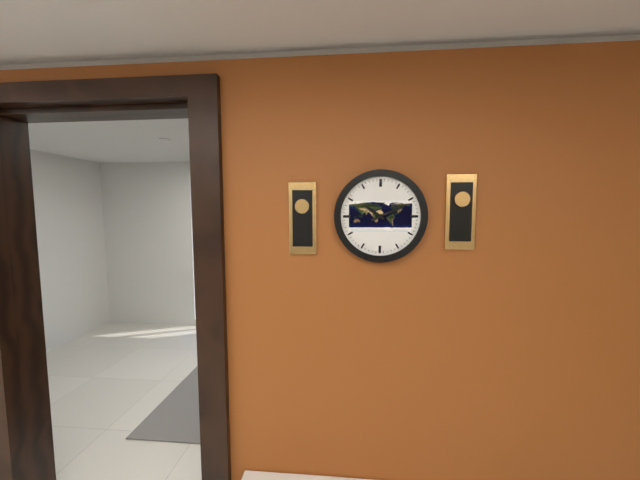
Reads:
10h11
